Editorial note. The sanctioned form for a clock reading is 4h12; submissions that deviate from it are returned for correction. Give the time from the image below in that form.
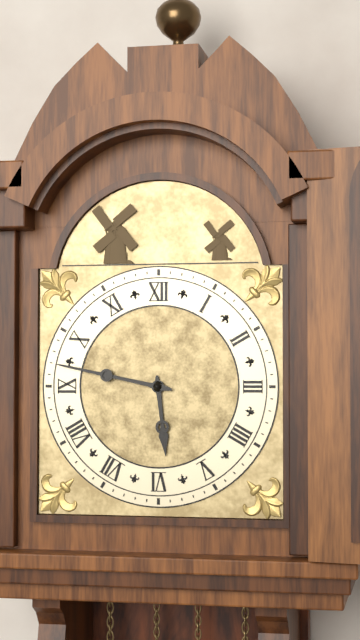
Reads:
5h47
